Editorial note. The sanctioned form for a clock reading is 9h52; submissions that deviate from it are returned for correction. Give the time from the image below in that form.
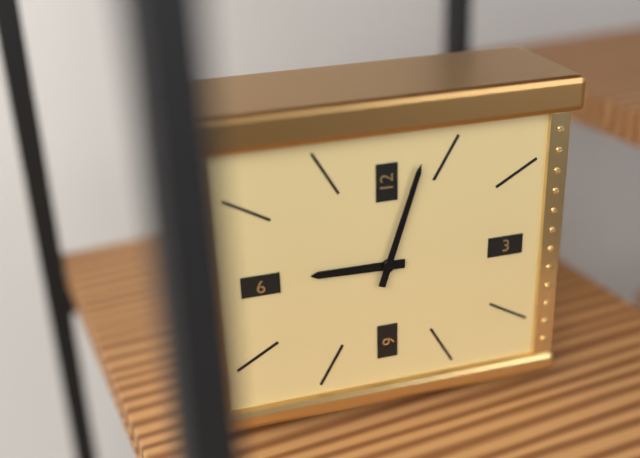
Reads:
9h03
